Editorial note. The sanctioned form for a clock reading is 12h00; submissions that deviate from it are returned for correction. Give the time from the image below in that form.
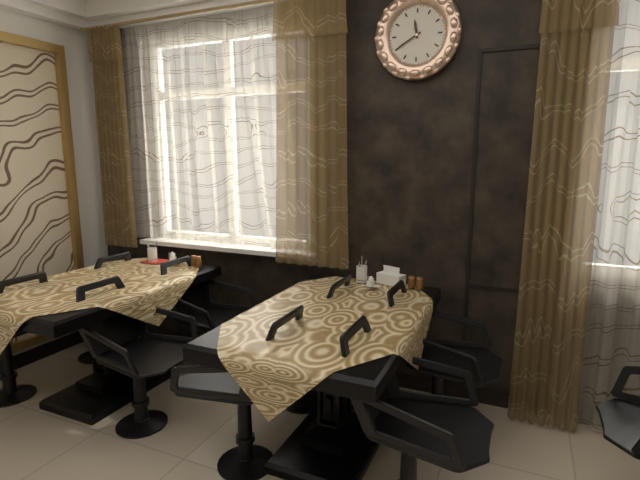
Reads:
11h40
